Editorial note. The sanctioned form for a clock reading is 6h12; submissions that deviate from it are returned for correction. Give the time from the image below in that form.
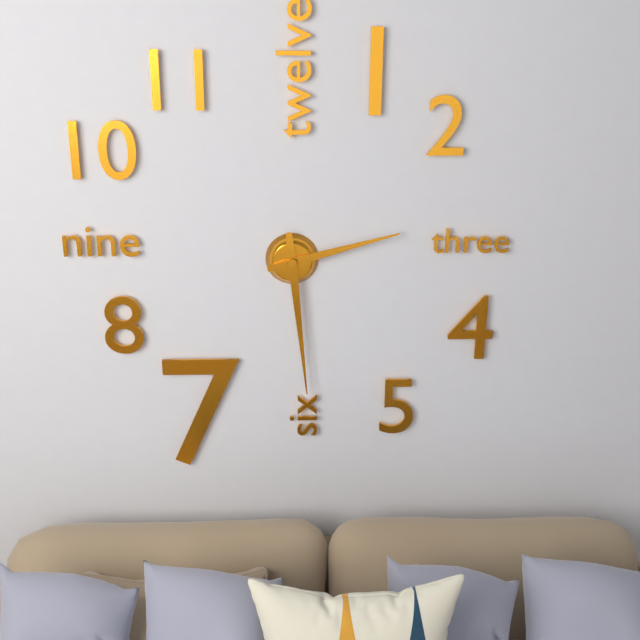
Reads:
2h29
